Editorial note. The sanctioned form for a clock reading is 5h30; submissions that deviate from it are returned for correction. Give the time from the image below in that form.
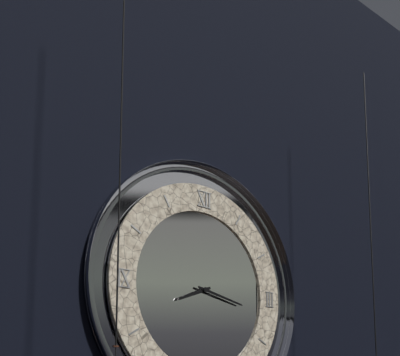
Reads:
8h17
